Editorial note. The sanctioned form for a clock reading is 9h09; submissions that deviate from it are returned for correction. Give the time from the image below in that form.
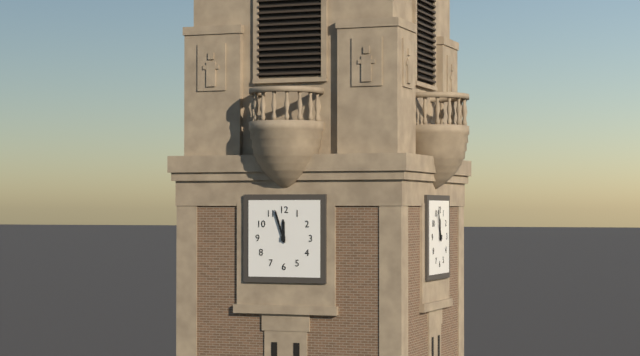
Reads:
11h57
